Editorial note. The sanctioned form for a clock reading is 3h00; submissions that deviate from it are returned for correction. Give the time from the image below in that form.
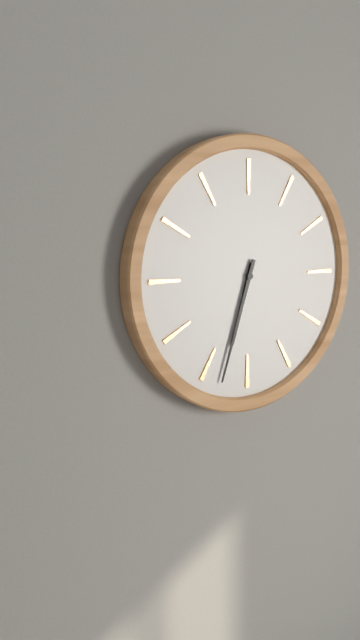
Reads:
6h33
